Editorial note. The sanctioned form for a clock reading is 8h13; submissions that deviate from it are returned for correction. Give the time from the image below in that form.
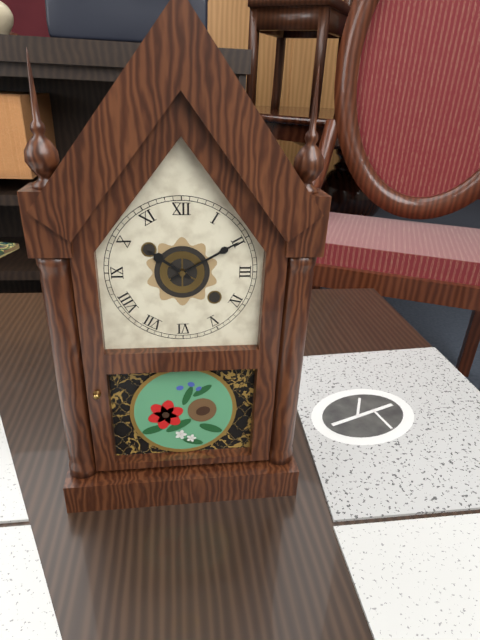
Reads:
10h10
